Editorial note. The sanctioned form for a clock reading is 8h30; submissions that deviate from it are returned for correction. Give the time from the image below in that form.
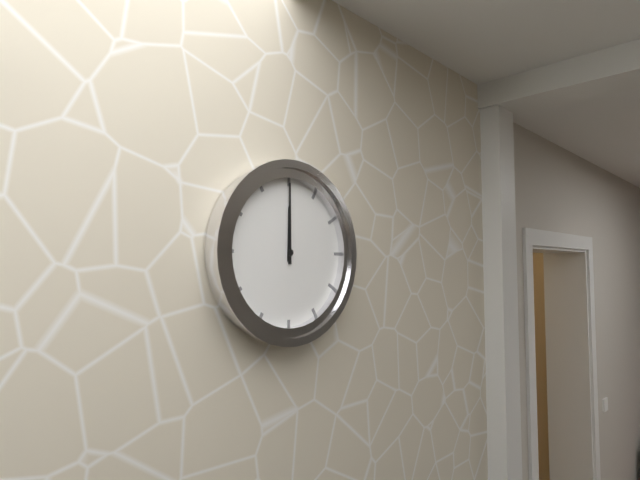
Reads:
12h00
